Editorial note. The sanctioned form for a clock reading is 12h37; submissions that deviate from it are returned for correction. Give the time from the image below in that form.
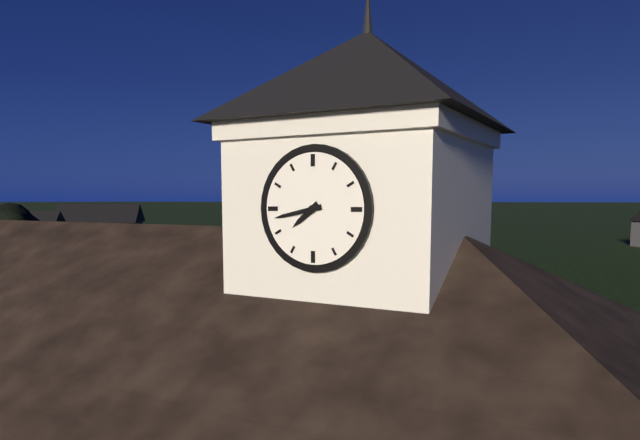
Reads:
7h43
